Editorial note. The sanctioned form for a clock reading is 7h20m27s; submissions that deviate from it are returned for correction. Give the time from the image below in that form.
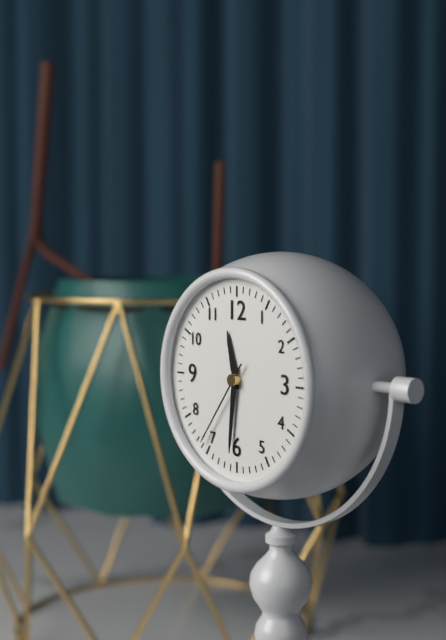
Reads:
11h31m36s
